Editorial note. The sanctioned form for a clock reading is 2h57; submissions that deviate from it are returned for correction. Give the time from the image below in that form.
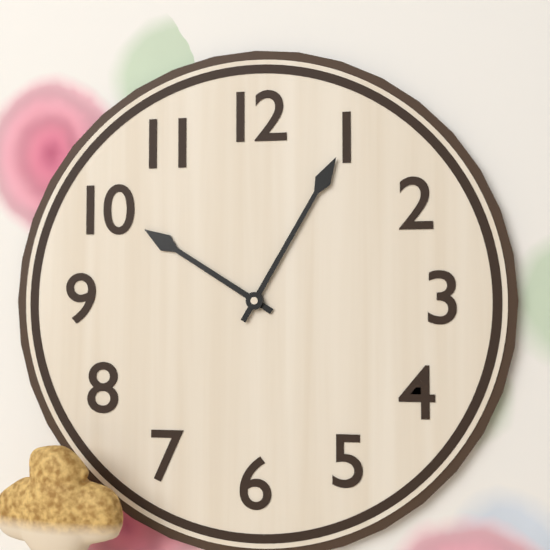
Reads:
10h05
